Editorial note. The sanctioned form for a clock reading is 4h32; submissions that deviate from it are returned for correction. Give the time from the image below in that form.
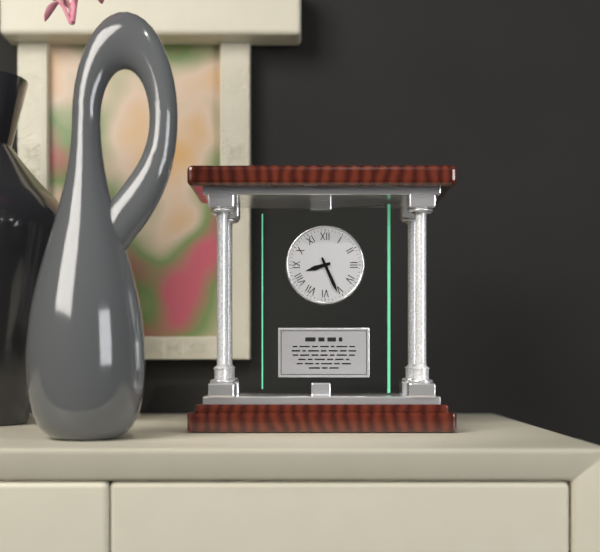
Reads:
8h26
